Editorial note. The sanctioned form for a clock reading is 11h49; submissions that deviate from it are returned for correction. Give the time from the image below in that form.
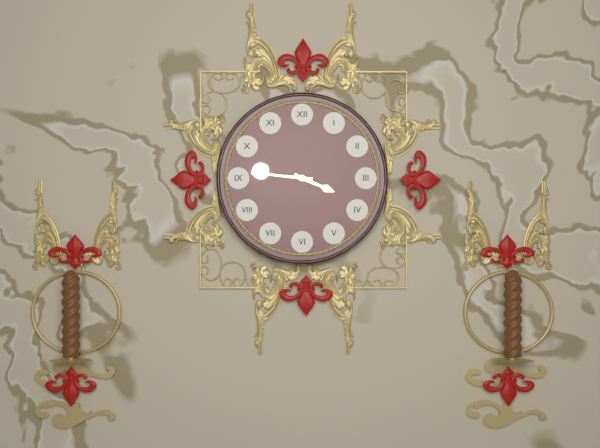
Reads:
3h46
